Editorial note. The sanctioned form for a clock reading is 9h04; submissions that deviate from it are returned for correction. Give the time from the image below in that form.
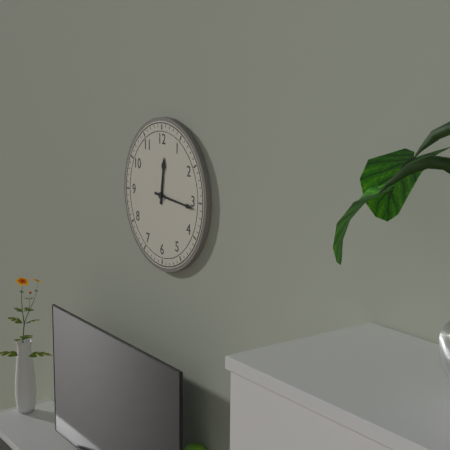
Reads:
12h16
